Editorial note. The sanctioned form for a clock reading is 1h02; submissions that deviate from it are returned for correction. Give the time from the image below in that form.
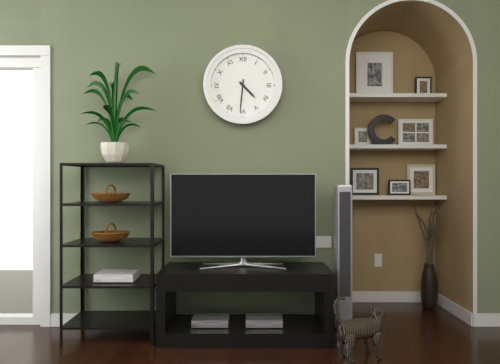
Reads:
4h31
